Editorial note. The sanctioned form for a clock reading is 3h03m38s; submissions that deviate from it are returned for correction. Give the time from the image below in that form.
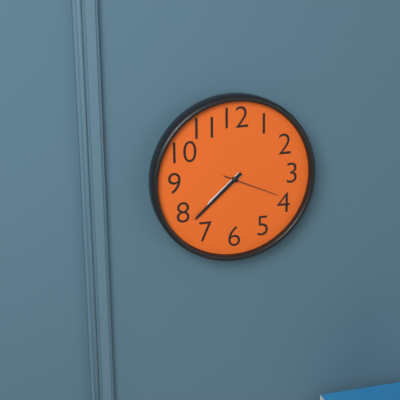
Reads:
7h38m19s
